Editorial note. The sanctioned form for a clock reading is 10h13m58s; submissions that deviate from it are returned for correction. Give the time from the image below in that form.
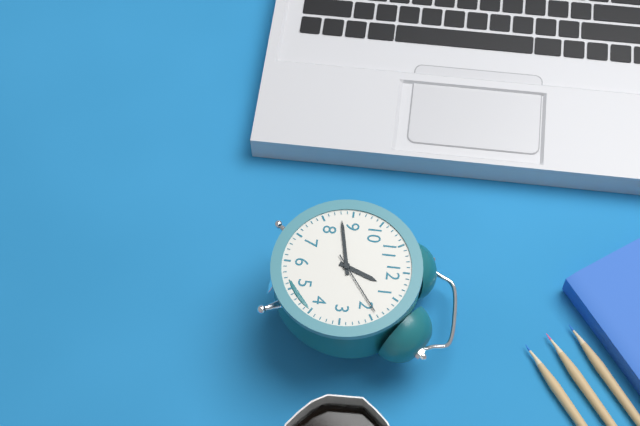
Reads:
12h43m09s
